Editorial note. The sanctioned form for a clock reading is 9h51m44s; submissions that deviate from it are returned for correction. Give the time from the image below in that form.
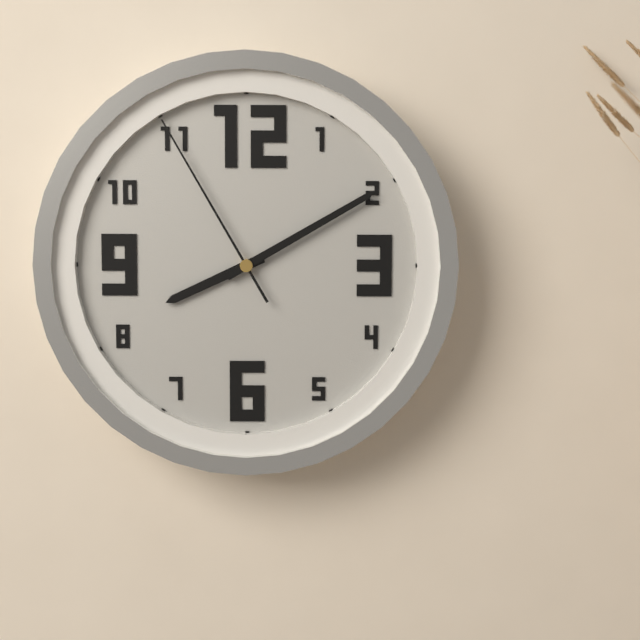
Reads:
8h10m55s
